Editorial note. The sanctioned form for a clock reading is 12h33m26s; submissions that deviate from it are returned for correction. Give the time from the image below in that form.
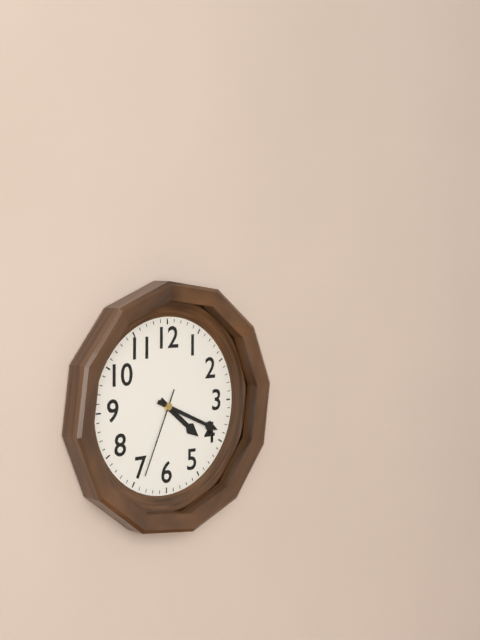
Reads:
4h19m34s
